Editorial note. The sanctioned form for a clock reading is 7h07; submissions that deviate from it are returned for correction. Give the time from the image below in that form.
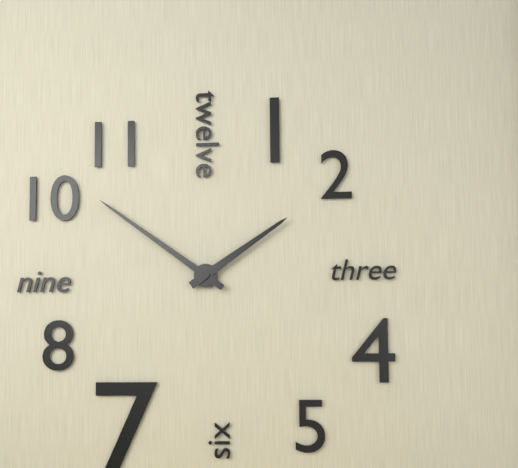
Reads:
1h51
